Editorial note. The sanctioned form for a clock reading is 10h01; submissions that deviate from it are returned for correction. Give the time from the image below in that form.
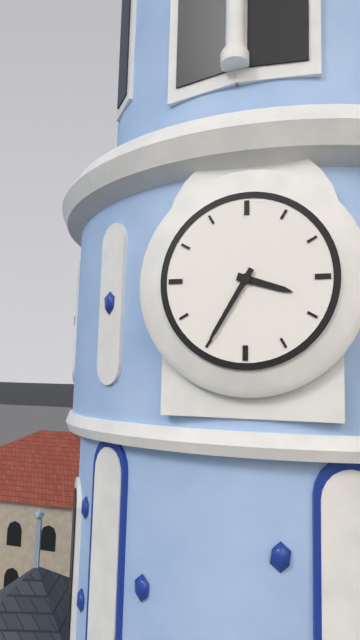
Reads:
3h35
